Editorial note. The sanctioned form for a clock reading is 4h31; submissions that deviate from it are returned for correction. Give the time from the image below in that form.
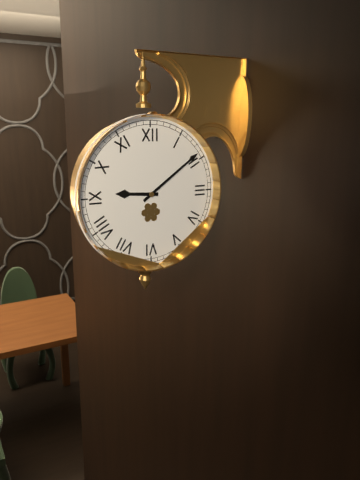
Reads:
9h09
